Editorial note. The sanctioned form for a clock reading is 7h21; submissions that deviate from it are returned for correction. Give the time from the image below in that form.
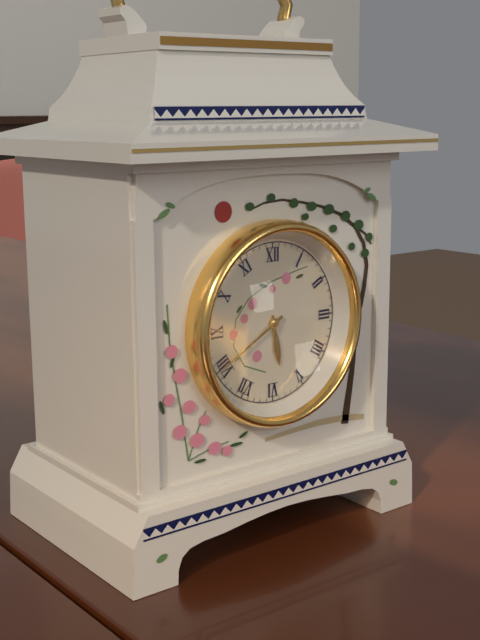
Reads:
5h40
